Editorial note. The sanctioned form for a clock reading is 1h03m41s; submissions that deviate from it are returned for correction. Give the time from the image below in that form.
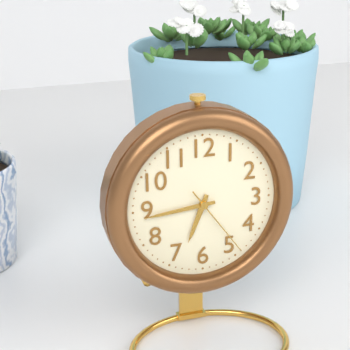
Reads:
6h44m24s
